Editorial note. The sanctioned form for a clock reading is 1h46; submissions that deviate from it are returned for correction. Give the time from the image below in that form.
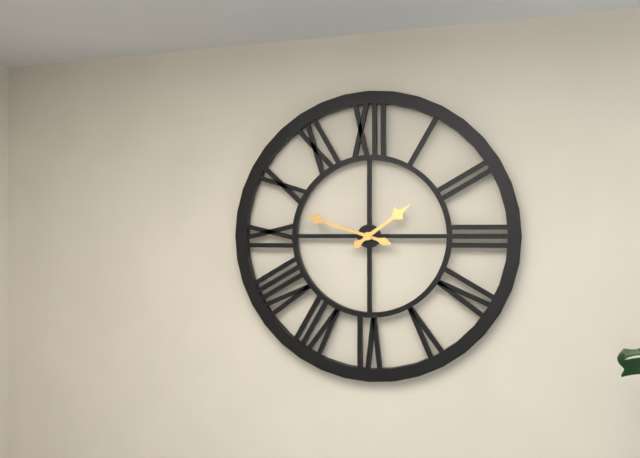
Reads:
1h48
